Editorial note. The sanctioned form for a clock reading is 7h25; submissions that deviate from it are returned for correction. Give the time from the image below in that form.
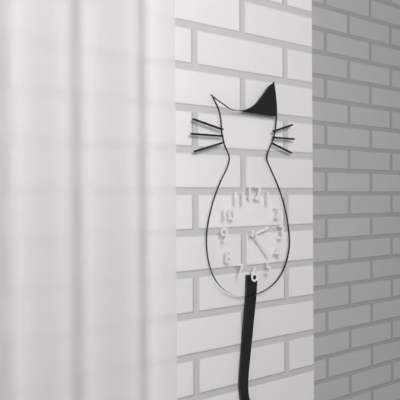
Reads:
2h23
